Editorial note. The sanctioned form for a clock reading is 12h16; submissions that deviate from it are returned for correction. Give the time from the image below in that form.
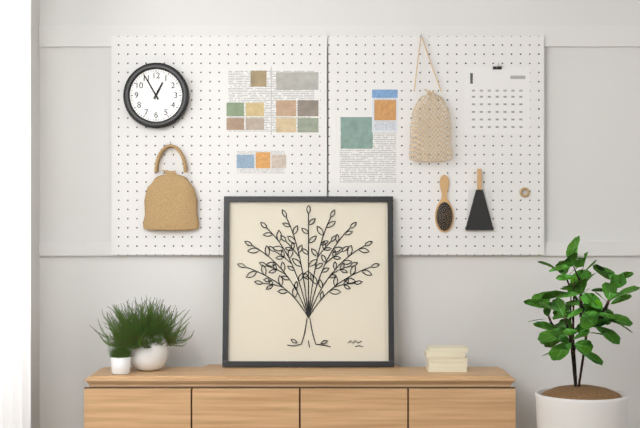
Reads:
12h55
